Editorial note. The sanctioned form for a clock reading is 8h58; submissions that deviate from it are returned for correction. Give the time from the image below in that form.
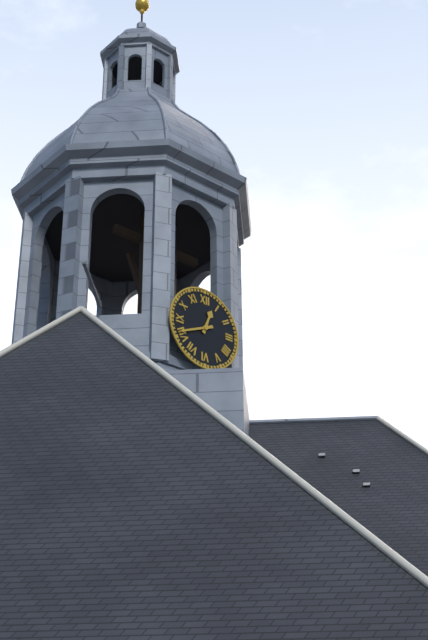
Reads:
12h41
